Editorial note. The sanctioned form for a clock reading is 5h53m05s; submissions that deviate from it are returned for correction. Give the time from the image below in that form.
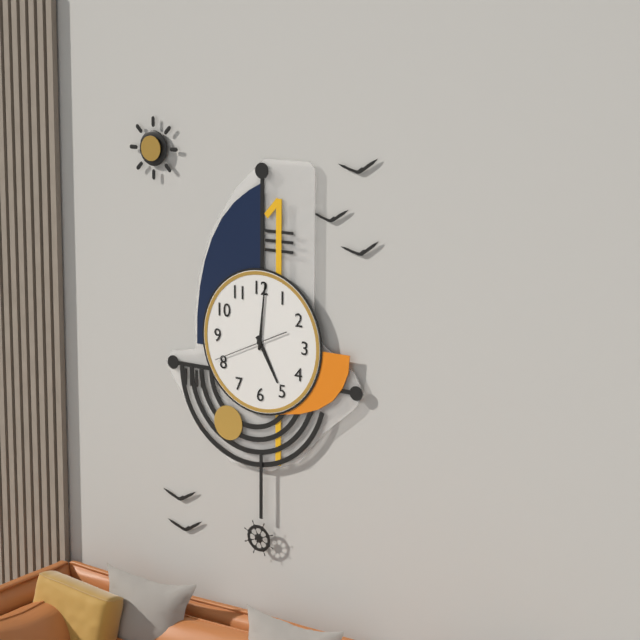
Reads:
5h01m41s
